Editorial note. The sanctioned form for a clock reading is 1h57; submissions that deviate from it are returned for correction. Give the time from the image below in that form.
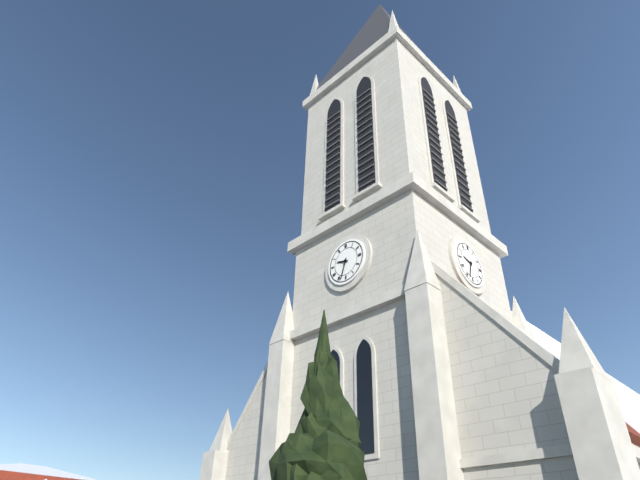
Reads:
9h33
